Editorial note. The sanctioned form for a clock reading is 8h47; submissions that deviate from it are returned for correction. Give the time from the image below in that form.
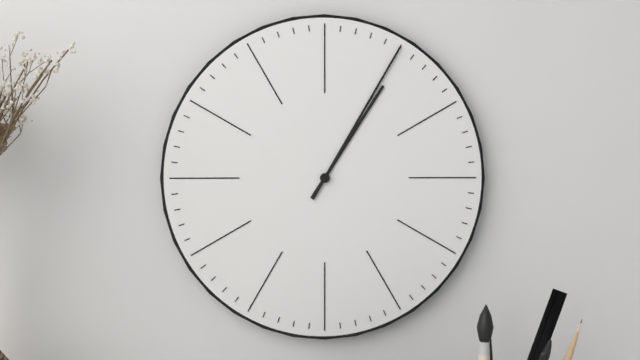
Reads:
1h05
